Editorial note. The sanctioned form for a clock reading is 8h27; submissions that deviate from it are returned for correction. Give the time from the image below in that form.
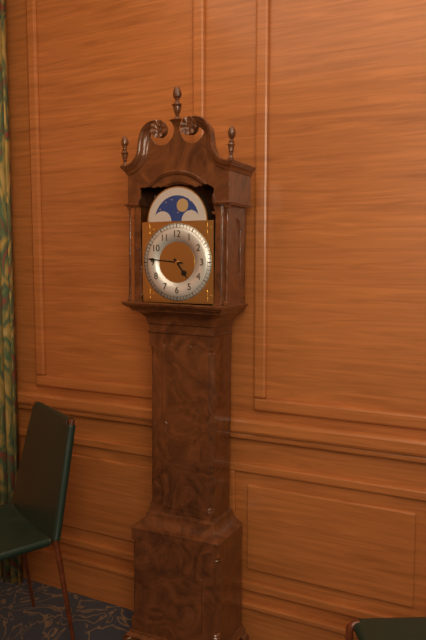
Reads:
4h46
